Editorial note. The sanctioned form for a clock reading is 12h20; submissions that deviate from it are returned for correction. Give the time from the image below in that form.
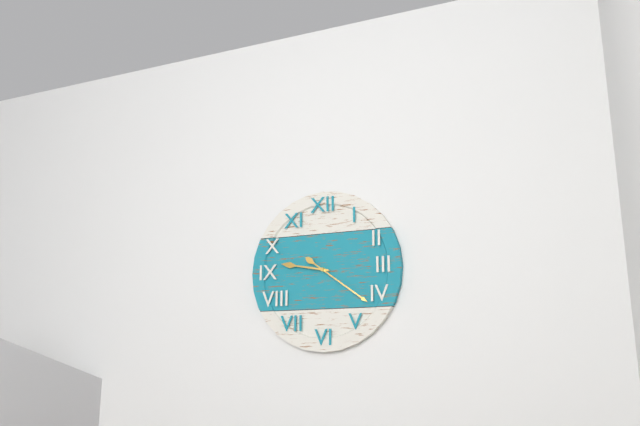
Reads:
9h21
